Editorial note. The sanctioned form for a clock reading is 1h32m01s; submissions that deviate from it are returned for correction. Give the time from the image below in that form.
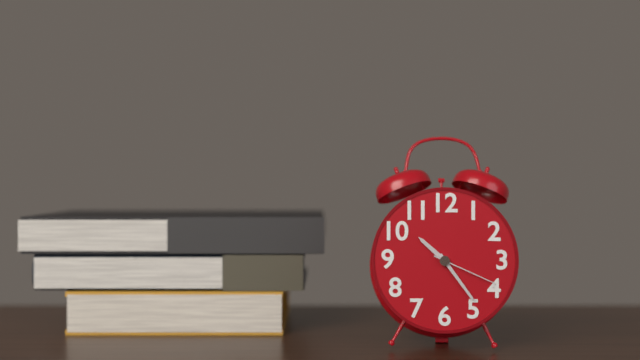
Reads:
10h24m19s
